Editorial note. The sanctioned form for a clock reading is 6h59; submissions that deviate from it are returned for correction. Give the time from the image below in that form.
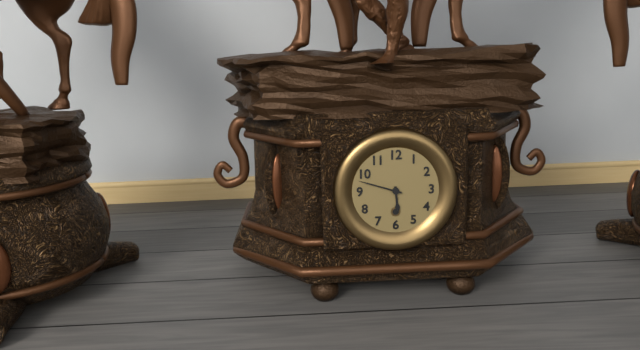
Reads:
5h48
